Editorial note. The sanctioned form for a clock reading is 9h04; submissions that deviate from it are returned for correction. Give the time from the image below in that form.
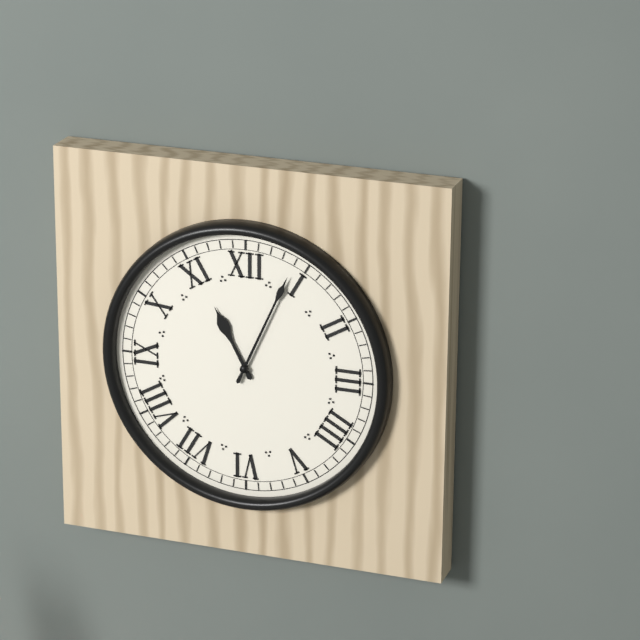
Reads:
11h04
